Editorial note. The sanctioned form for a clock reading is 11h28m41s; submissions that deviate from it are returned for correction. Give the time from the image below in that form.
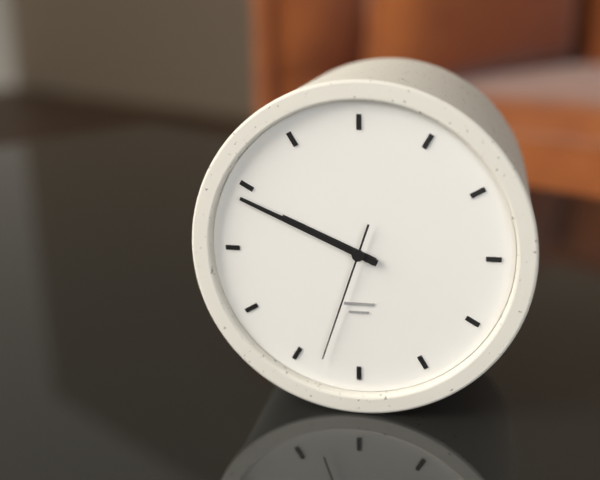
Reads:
9h49m33s
